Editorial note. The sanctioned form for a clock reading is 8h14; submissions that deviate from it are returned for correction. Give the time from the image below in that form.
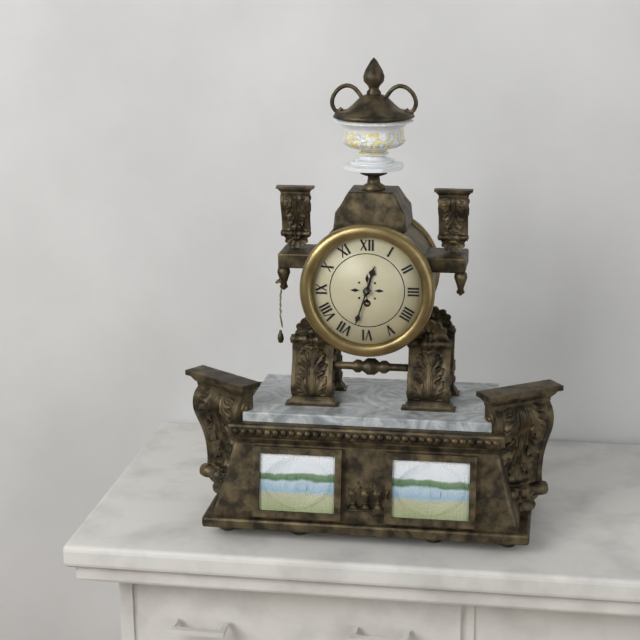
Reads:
12h33
